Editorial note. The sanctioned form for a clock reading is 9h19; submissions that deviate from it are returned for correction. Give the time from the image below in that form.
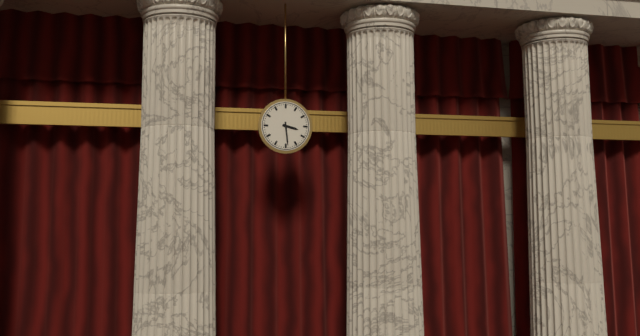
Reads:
3h29
